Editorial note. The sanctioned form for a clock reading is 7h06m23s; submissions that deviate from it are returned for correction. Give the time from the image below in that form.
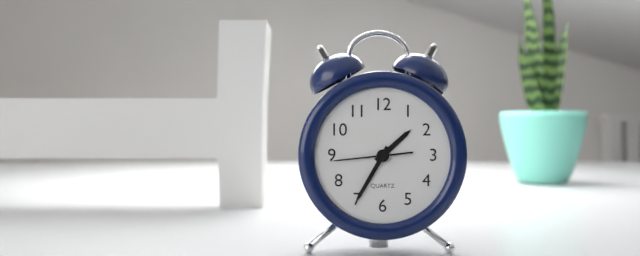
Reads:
1h35m44s
